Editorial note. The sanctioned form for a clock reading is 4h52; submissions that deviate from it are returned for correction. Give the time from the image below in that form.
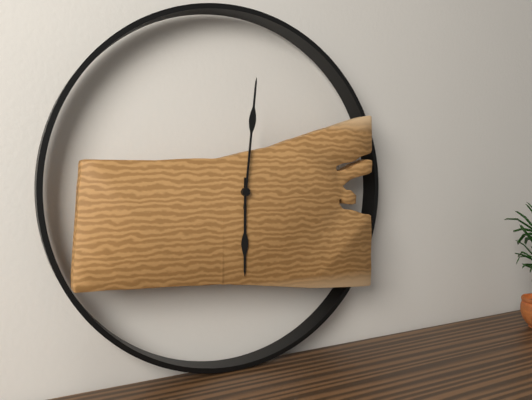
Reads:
6h01
